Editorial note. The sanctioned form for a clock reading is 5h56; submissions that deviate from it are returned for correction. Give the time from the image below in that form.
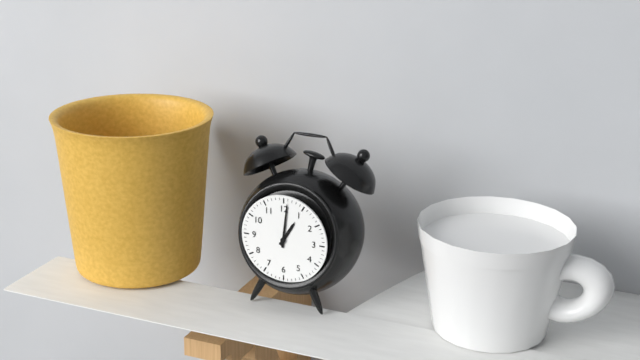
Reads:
1h01
